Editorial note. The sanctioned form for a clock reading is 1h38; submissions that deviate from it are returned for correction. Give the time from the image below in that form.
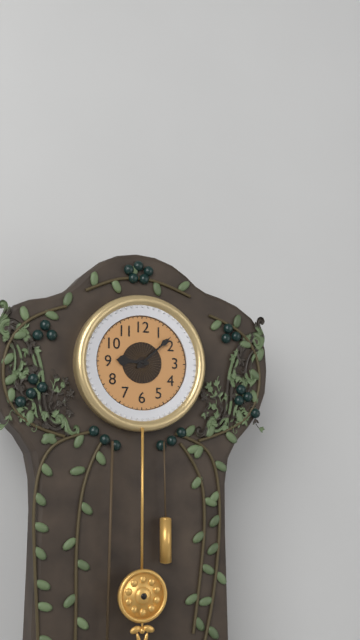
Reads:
9h08
